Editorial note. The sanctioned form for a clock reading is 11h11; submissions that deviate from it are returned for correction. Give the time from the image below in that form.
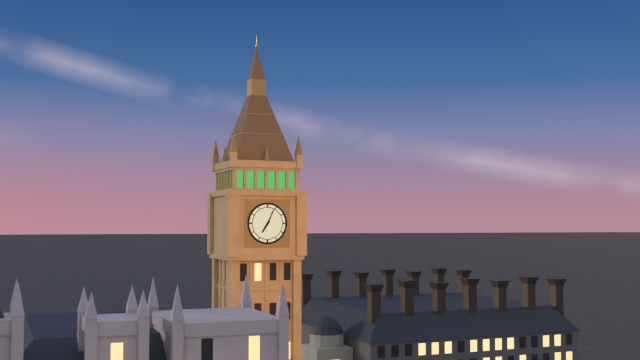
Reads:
7h04
